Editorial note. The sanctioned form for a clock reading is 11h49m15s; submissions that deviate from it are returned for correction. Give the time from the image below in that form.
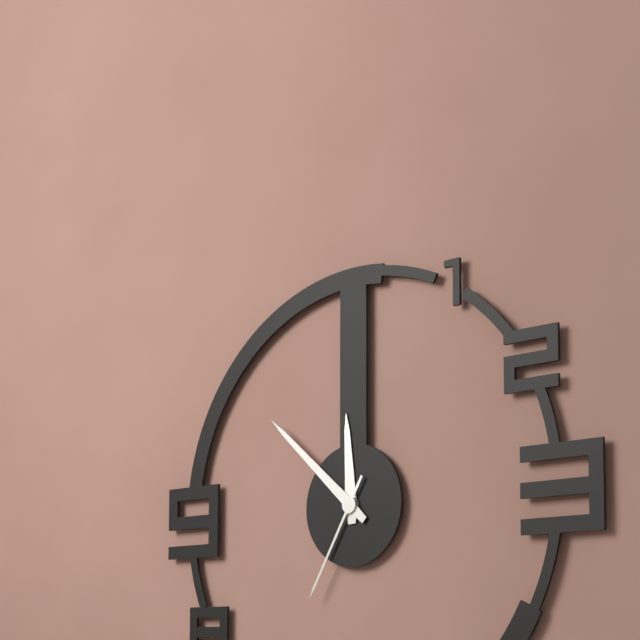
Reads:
11h52m35s
